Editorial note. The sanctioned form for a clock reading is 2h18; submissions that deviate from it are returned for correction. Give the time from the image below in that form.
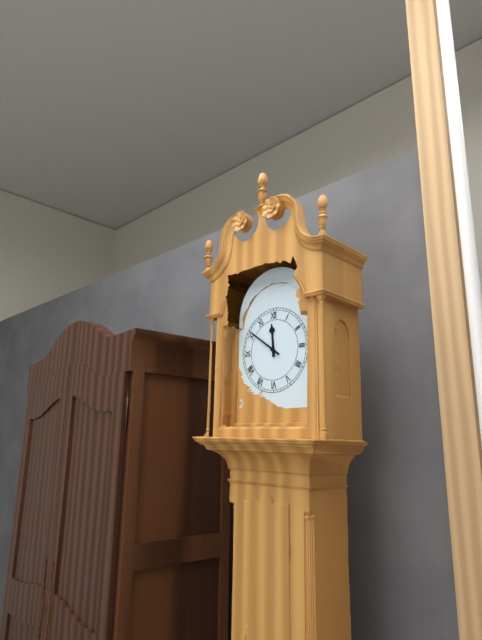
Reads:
11h51
